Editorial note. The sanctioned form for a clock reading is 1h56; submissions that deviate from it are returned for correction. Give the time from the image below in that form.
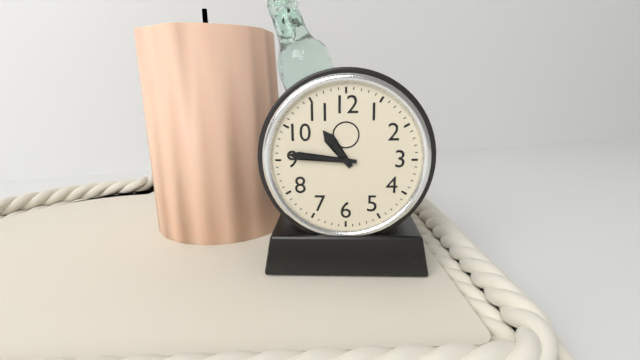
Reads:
10h46
